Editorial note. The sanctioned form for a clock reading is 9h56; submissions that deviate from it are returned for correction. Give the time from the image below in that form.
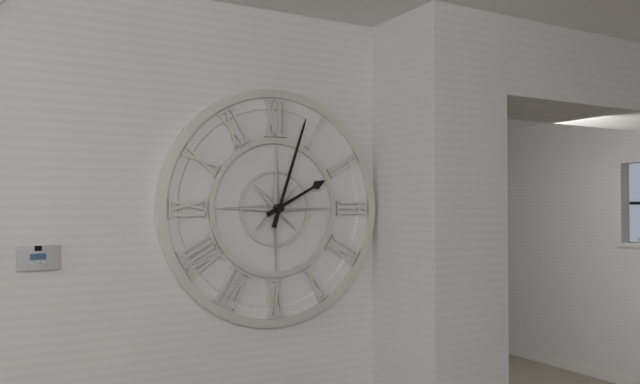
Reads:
2h03
